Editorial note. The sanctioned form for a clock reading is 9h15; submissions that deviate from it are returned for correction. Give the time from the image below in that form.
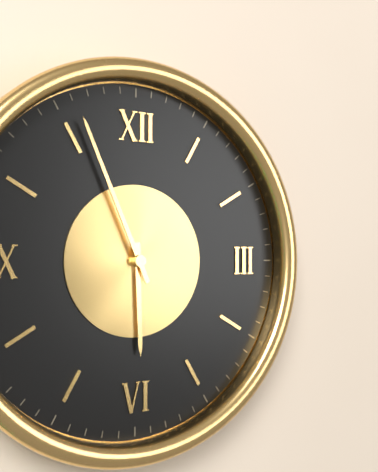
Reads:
5h56
